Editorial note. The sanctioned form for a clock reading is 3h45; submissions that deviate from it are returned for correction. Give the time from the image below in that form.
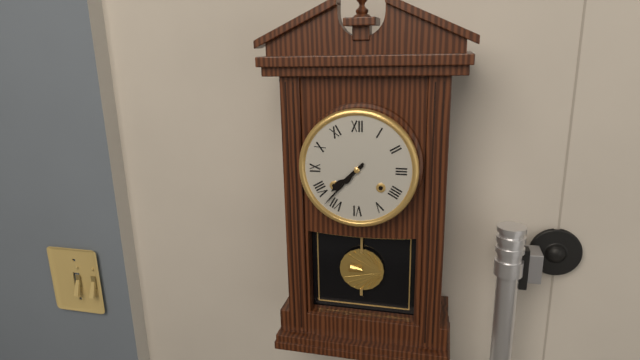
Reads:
7h37
